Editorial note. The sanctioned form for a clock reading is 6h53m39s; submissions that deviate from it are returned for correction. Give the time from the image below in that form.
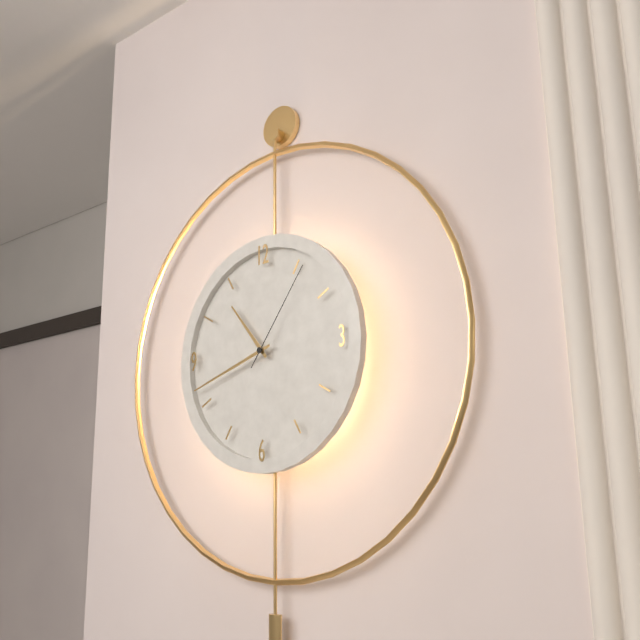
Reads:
10h42m06s
